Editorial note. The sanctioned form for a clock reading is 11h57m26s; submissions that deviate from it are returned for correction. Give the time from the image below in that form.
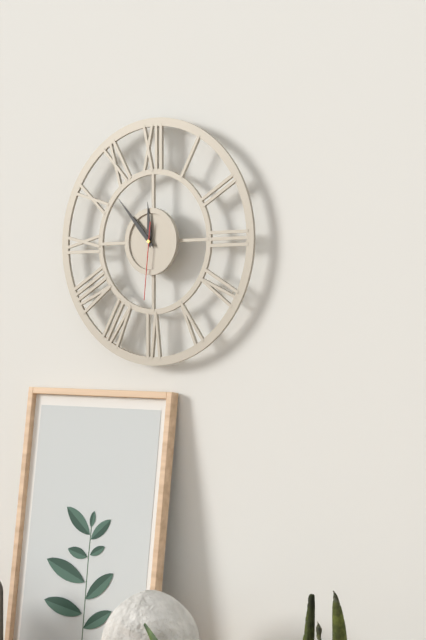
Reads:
11h53m31s
